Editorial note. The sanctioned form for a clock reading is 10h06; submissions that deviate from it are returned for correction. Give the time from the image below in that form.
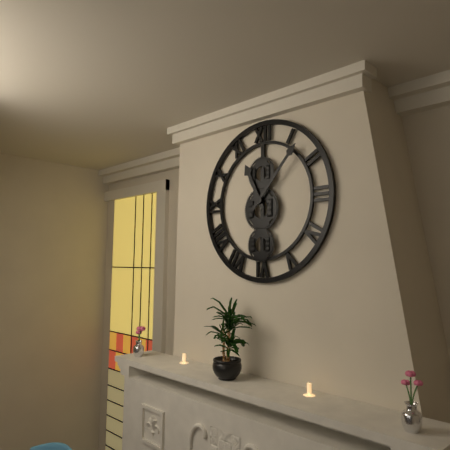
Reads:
11h07
